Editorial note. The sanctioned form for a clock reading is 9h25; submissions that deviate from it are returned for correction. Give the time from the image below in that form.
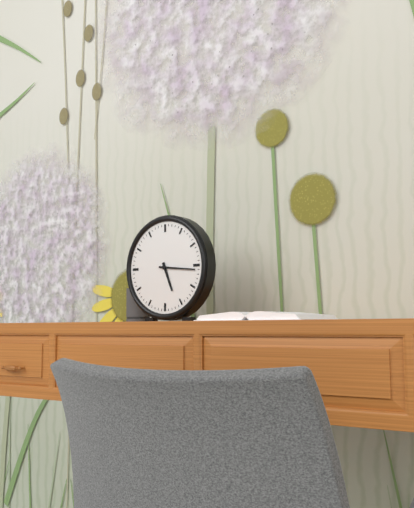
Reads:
5h16
